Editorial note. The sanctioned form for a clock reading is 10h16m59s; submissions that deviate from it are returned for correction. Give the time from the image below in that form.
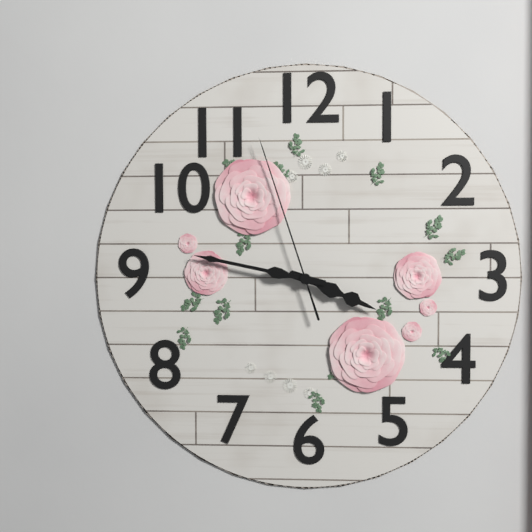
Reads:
3h47m57s
